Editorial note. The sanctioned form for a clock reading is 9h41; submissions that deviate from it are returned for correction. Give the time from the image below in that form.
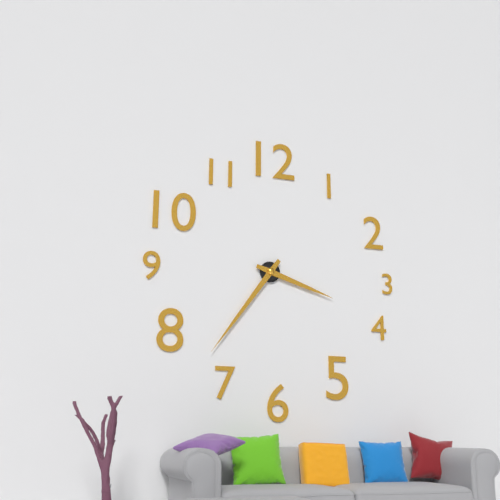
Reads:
3h36
